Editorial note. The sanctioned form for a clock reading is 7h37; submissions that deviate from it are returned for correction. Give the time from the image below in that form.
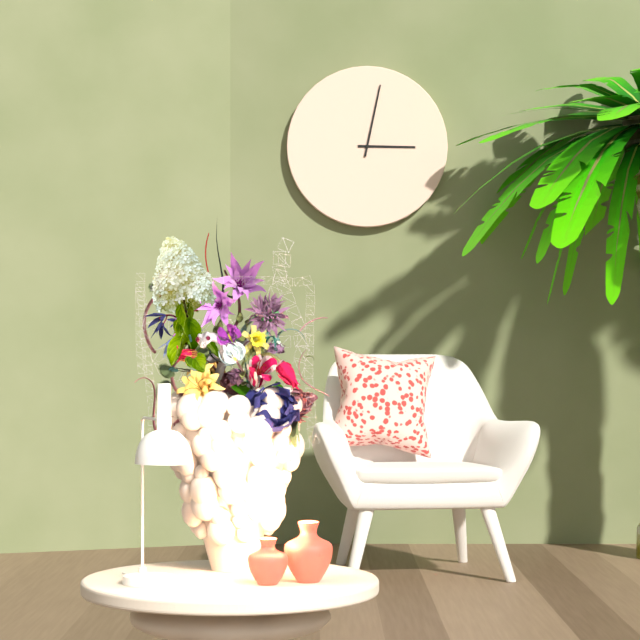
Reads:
3h02
